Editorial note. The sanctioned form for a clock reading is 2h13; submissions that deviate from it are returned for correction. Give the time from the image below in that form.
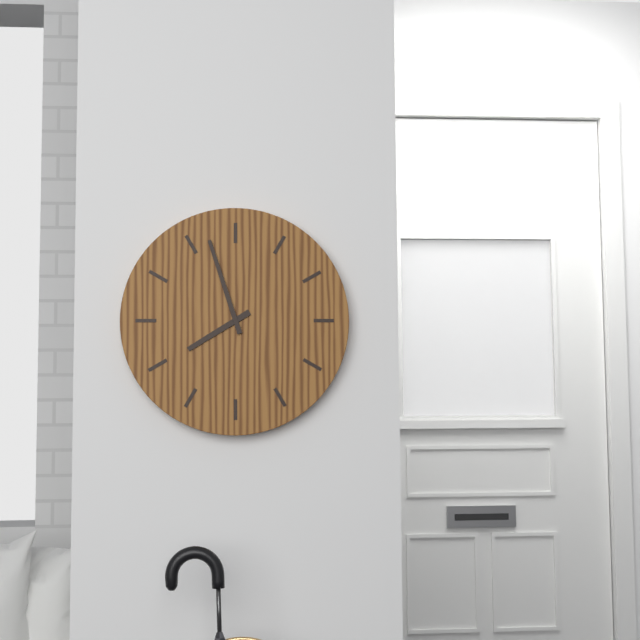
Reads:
7h57
